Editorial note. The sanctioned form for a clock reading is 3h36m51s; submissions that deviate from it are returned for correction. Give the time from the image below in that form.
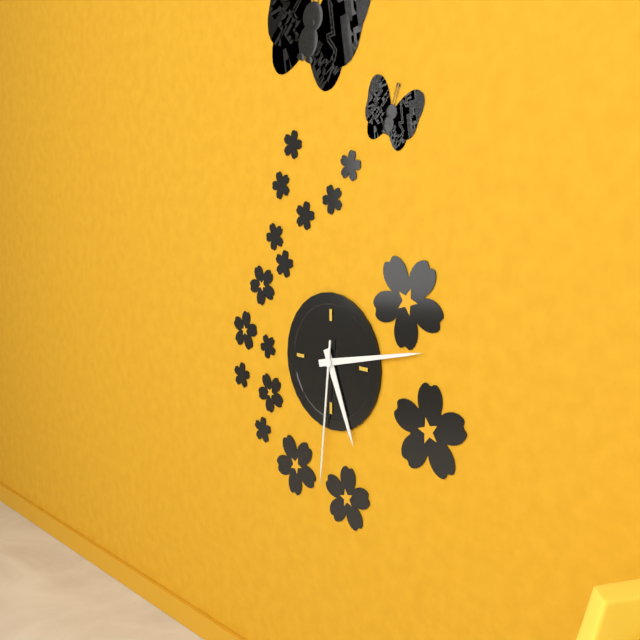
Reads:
5h13m31s
